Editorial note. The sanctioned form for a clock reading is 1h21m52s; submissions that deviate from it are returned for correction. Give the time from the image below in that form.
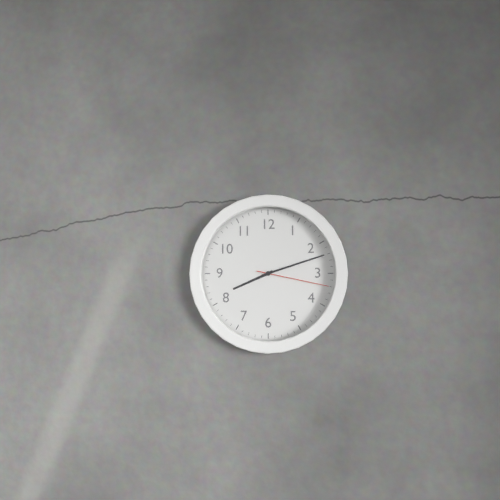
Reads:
8h12m17s
